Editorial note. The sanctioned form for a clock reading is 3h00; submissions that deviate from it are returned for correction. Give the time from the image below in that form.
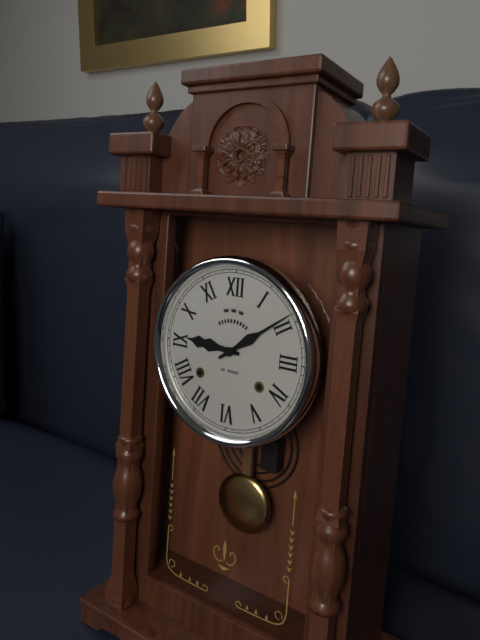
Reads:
9h09
